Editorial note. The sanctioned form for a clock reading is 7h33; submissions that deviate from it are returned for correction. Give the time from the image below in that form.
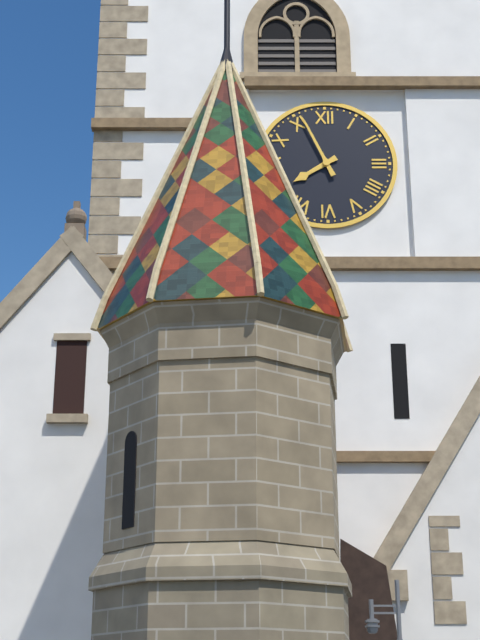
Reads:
7h56
